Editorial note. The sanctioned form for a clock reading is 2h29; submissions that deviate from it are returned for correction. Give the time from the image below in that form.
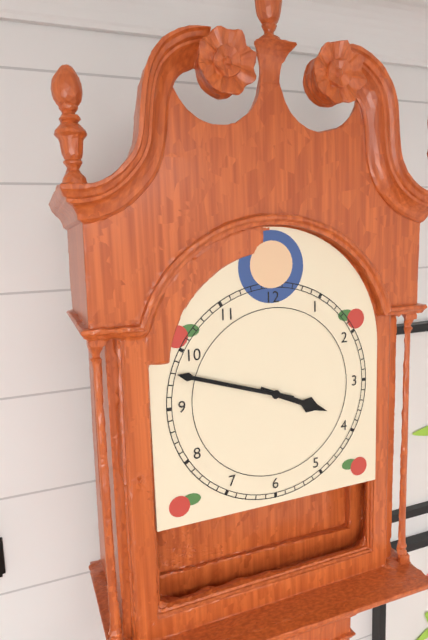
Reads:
3h48
